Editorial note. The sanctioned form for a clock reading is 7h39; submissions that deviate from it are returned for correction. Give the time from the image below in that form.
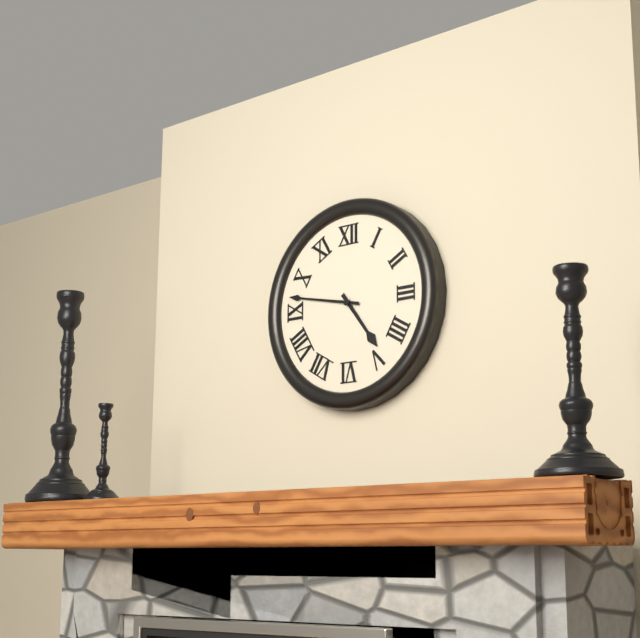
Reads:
4h47
